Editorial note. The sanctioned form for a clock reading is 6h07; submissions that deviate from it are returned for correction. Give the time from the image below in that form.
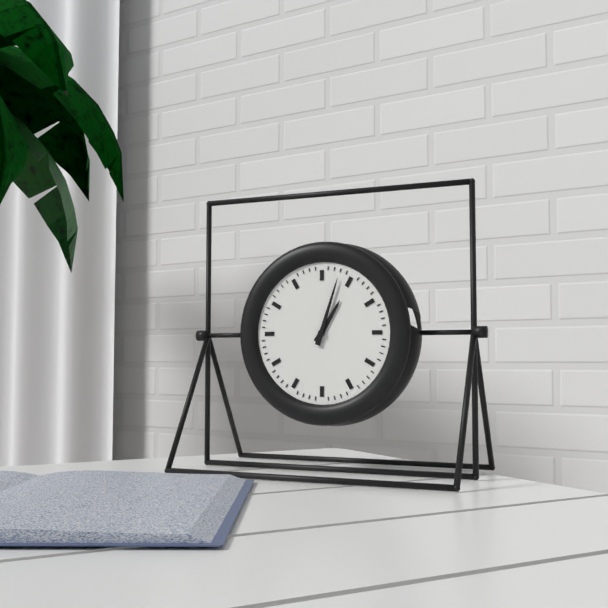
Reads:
1h03
